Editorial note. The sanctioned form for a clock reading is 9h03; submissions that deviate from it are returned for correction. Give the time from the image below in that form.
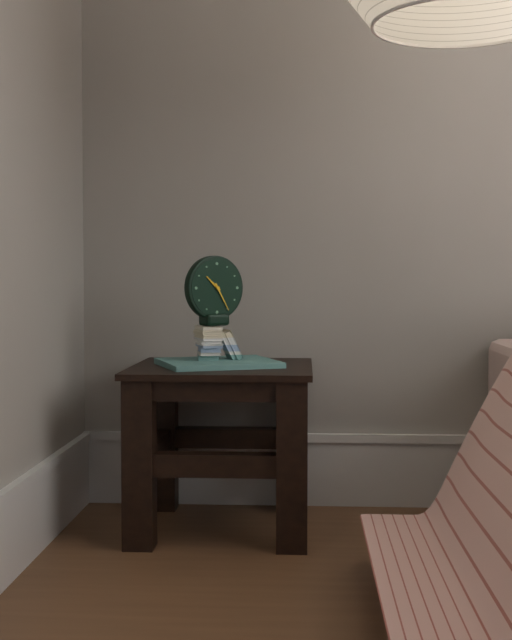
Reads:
10h25
